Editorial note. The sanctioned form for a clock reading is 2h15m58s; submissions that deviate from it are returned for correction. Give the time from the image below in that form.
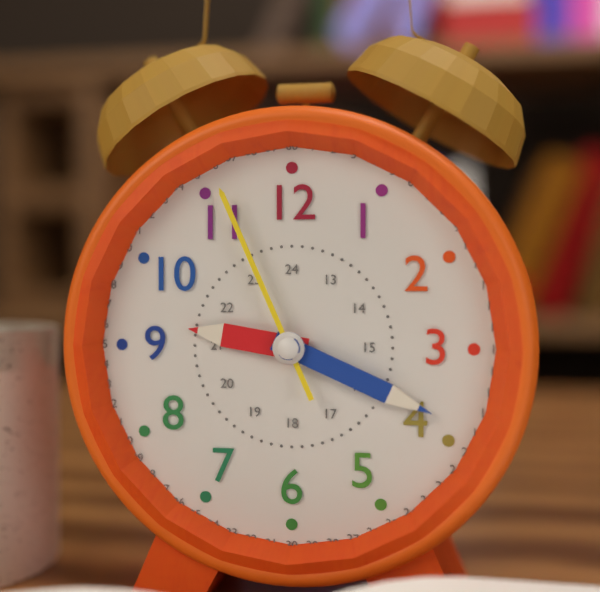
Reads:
9h19m56s
